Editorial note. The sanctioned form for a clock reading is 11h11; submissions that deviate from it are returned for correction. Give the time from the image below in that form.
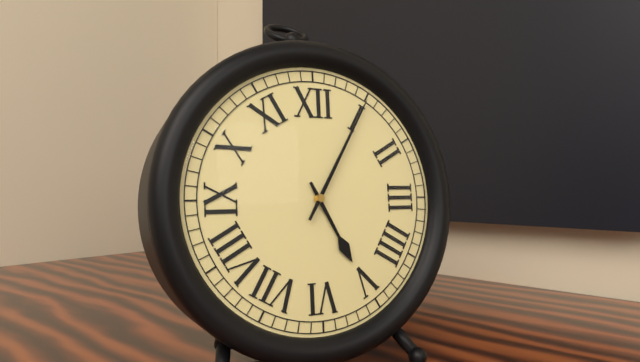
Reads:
5h05
